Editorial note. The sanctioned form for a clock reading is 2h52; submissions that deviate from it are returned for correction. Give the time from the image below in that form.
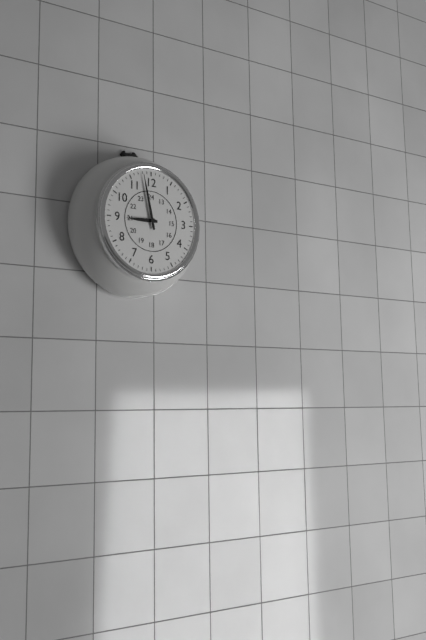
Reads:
8h58
